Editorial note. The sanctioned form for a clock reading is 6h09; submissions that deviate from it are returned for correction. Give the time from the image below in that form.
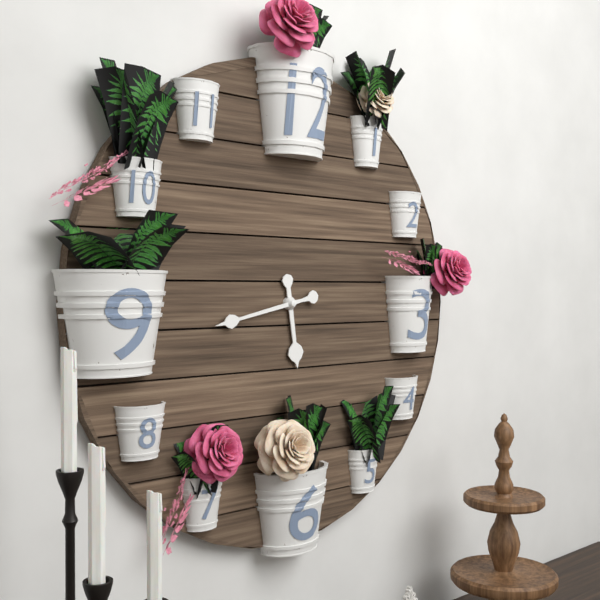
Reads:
5h43
